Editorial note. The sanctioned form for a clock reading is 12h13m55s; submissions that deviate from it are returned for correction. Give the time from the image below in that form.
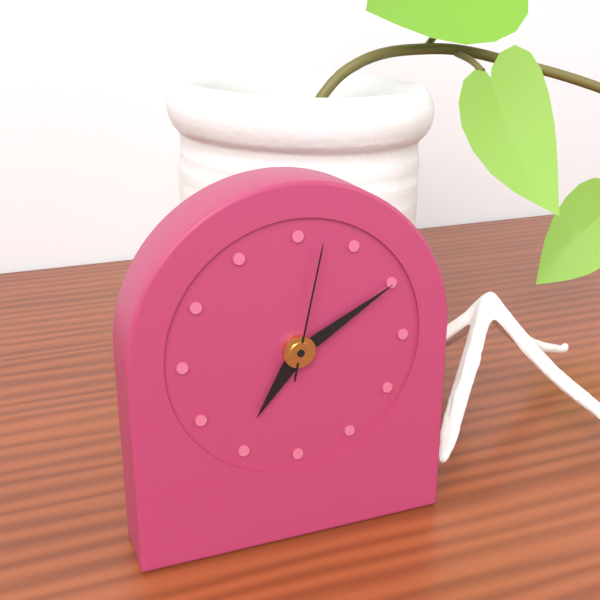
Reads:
7h10m02s
